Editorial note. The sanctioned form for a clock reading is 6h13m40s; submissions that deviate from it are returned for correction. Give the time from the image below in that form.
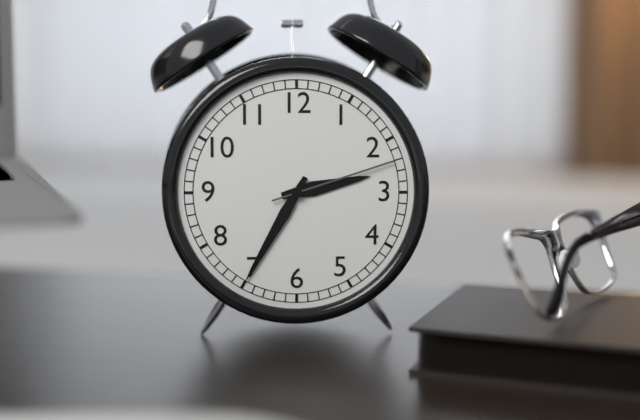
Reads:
2h35m12s
